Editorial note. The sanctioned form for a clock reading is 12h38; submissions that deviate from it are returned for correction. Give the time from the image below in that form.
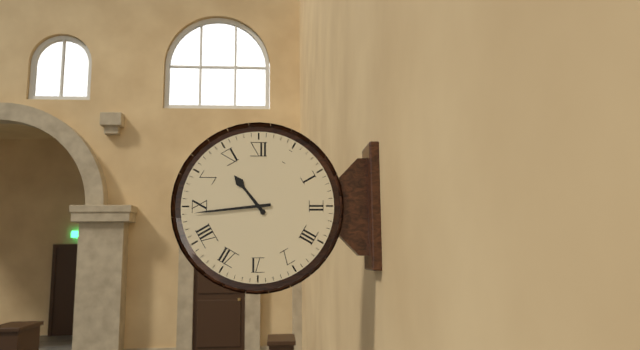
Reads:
10h44
